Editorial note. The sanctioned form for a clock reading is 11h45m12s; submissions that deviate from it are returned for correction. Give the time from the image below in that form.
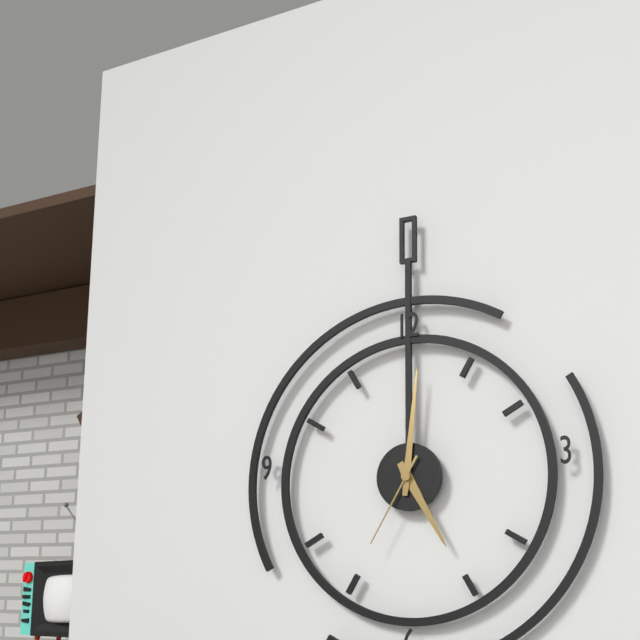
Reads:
5h01m35s
